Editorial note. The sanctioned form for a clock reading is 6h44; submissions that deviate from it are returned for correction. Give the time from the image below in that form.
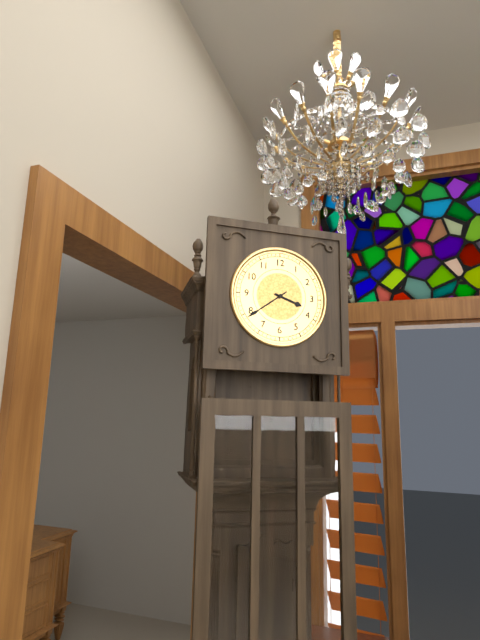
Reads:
3h39
